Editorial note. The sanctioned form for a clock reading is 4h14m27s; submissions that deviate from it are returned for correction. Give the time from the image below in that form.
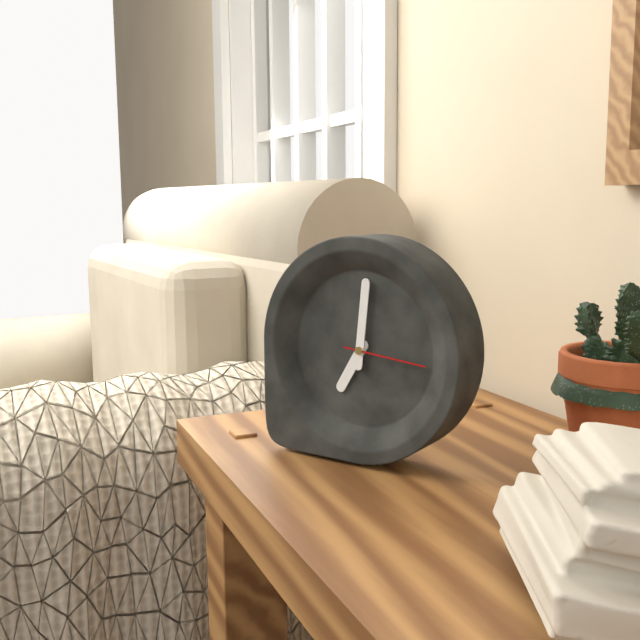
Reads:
7h01m16s
